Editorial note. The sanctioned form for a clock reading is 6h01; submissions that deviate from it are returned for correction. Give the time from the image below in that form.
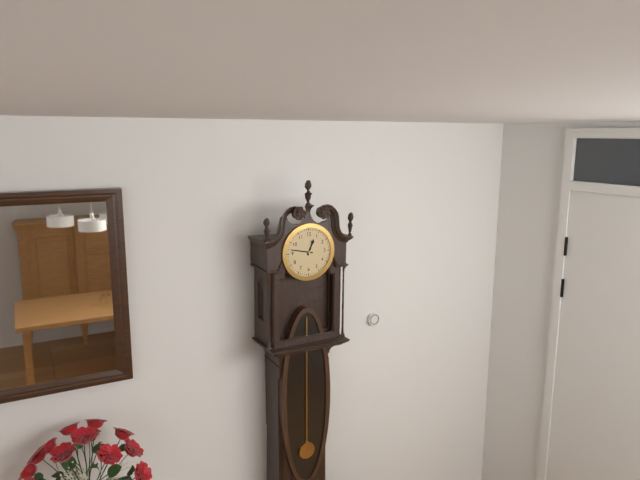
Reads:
12h47
